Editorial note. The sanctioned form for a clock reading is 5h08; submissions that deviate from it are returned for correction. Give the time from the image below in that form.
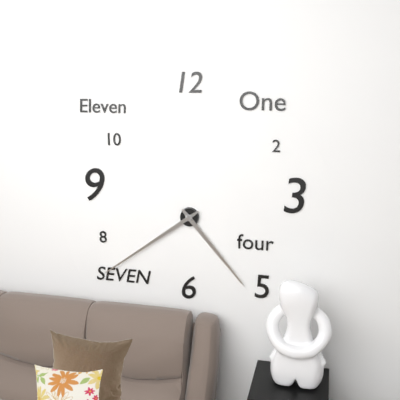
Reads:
4h39
